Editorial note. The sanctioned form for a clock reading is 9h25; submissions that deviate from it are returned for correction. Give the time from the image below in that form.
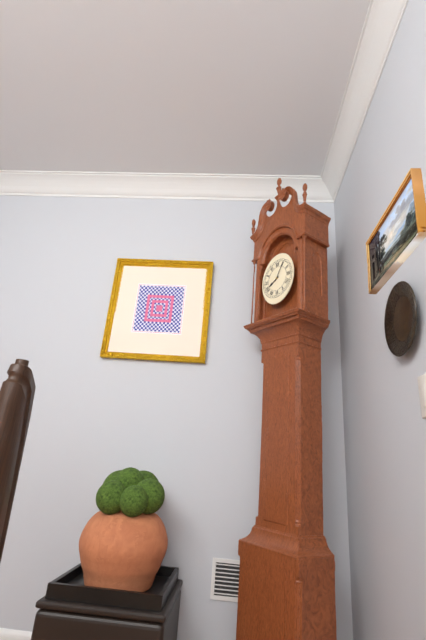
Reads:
8h05
